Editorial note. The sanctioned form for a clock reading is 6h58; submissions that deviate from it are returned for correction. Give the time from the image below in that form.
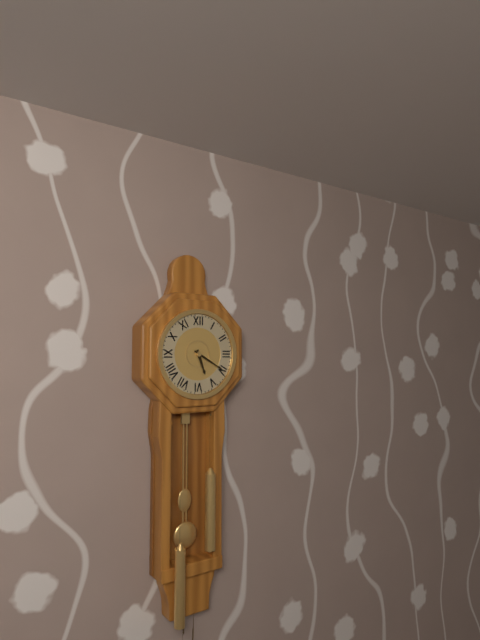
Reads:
5h20
